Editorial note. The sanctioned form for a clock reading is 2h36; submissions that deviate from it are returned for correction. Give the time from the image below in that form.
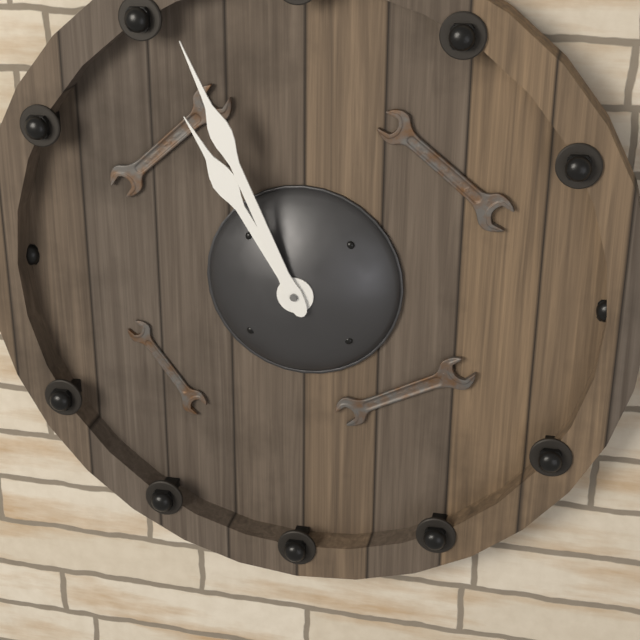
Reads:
10h56
